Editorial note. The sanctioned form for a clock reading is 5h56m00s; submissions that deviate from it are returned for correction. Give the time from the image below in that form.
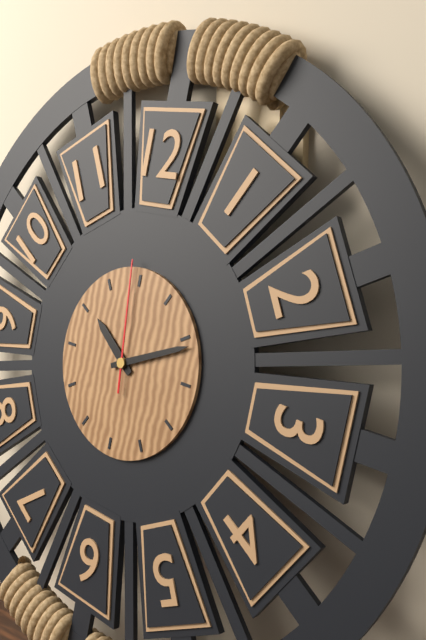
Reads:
10h11m59s
